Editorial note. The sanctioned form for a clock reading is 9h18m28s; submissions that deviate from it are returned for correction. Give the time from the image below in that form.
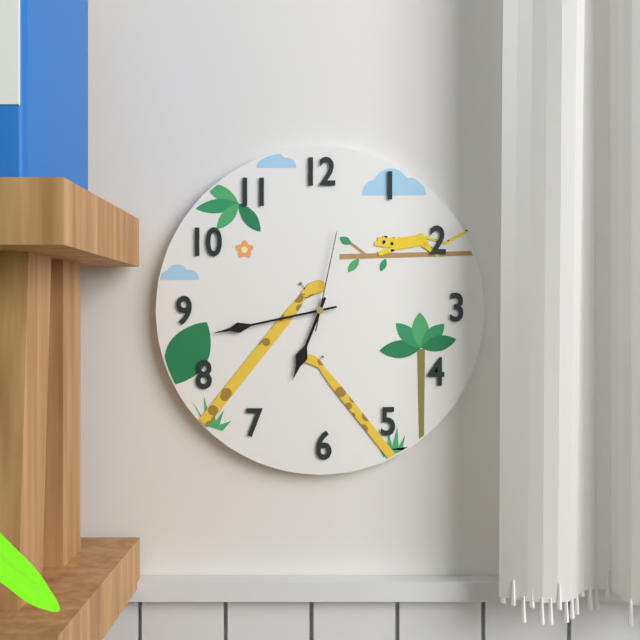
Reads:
6h43m02s
